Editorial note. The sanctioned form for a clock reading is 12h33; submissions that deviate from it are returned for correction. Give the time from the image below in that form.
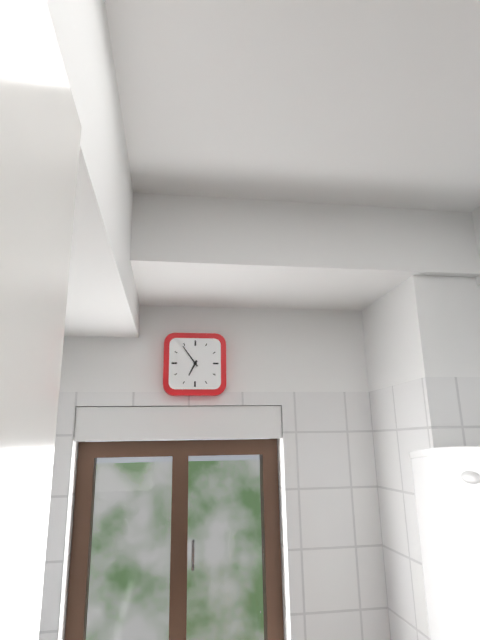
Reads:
6h54
